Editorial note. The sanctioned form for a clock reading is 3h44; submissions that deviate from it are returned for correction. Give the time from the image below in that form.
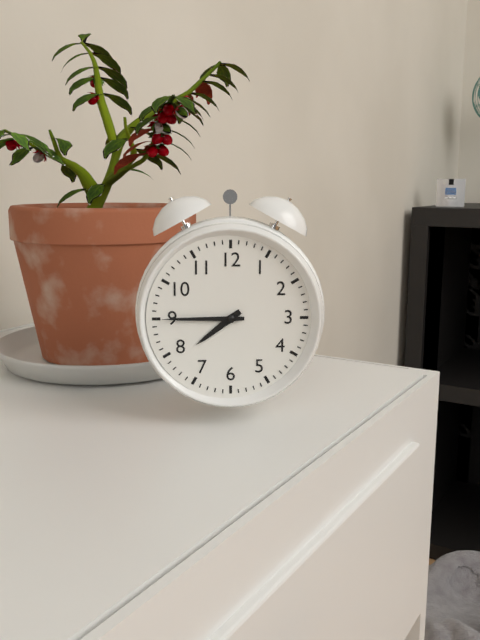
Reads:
7h45
